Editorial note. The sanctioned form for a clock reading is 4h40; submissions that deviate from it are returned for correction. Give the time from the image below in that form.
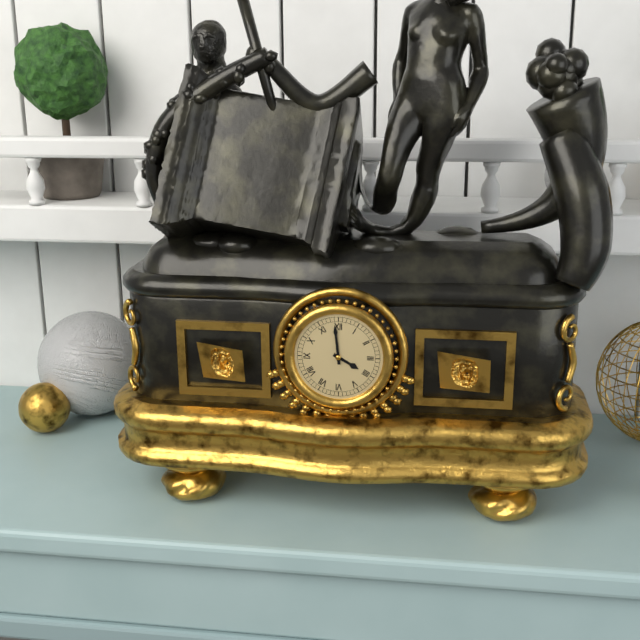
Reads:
3h59
